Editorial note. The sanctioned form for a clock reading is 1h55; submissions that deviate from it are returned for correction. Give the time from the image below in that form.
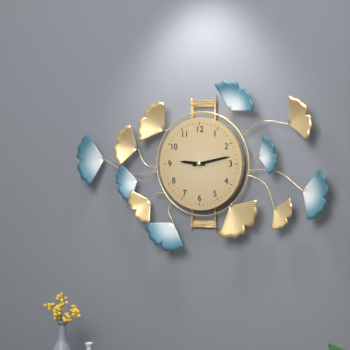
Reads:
9h13
